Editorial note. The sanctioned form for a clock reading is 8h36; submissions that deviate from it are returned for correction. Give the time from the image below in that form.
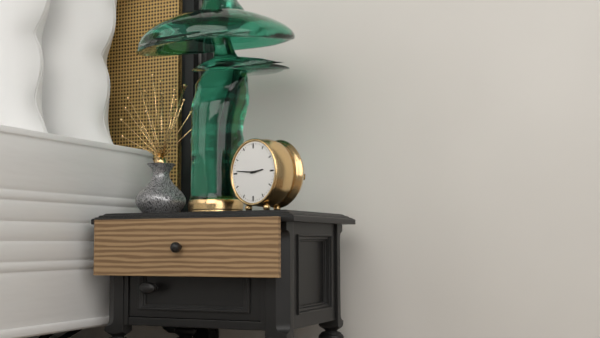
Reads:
2h46
